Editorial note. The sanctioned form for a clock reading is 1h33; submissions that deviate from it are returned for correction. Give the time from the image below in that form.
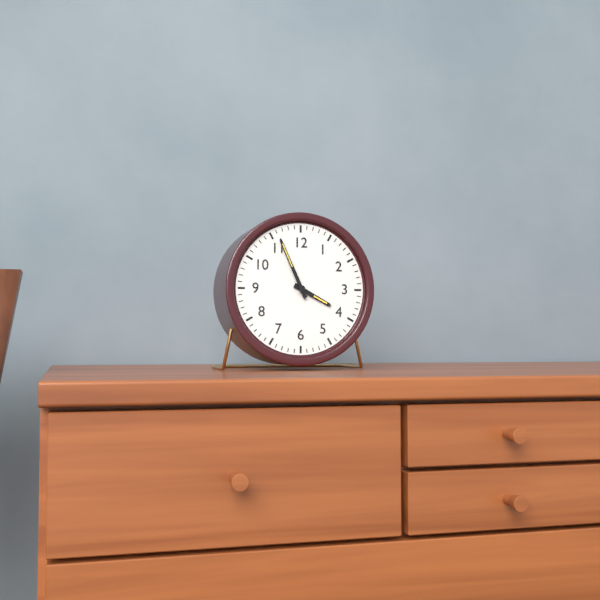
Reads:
3h56
